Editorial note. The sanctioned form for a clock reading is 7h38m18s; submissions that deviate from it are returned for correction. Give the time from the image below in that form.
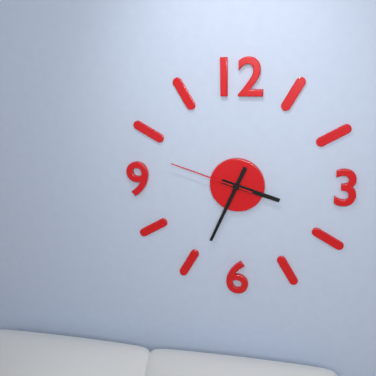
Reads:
3h34m48s
